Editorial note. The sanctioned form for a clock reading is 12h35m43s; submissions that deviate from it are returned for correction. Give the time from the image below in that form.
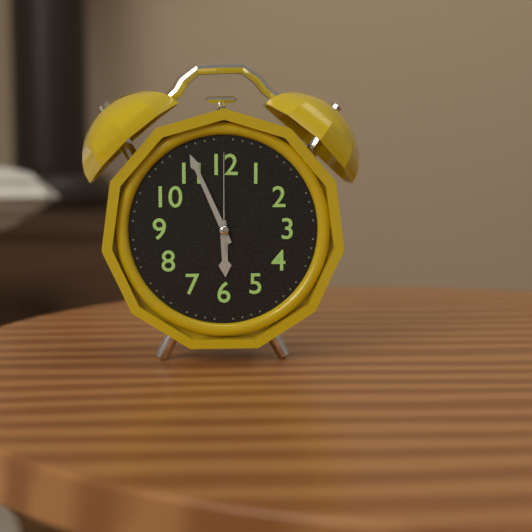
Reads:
5h56m00s
